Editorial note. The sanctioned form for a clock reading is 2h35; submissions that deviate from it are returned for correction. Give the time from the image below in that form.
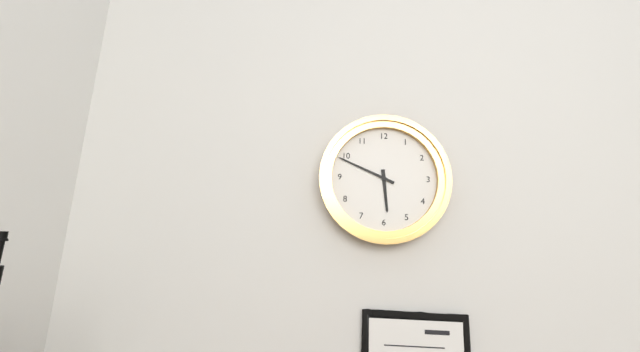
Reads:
5h49
